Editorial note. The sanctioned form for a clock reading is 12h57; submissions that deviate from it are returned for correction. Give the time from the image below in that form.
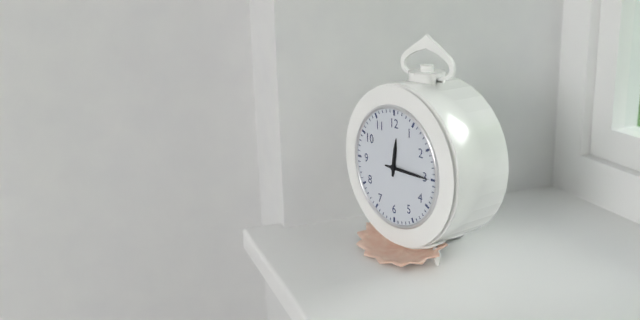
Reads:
12h15
